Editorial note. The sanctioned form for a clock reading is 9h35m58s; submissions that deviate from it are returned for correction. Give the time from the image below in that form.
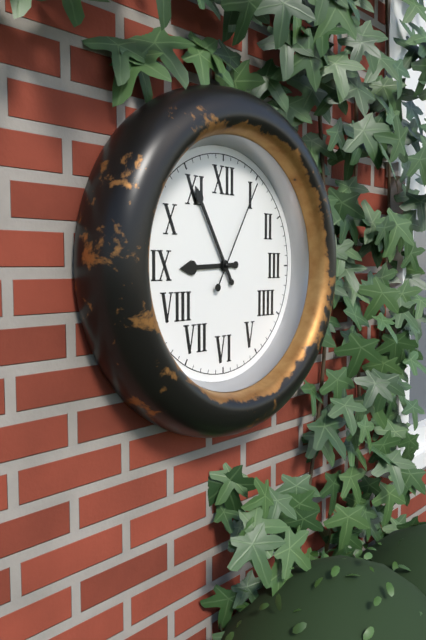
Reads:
8h55m05s
